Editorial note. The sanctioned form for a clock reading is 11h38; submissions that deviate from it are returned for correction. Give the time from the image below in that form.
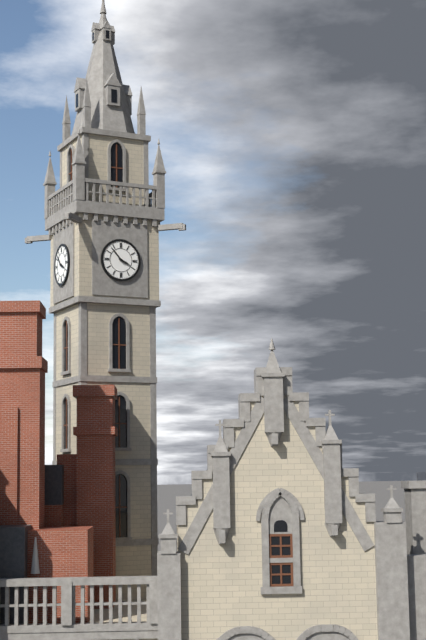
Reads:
3h53
